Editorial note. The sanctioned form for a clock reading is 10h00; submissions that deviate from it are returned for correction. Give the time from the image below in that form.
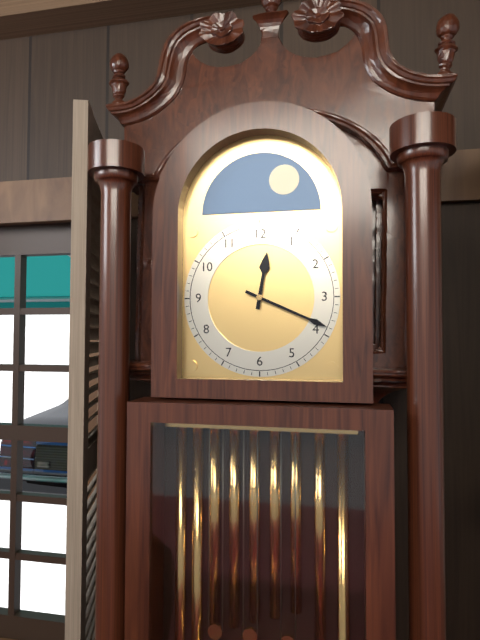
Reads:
12h19
